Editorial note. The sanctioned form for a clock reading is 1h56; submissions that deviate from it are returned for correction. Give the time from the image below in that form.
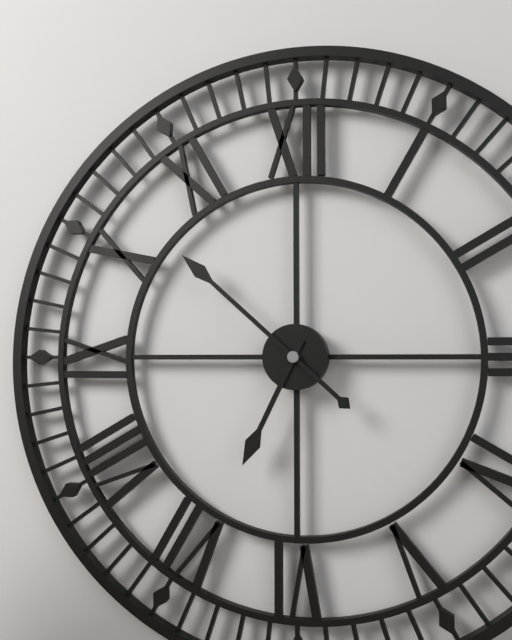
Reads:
6h52
